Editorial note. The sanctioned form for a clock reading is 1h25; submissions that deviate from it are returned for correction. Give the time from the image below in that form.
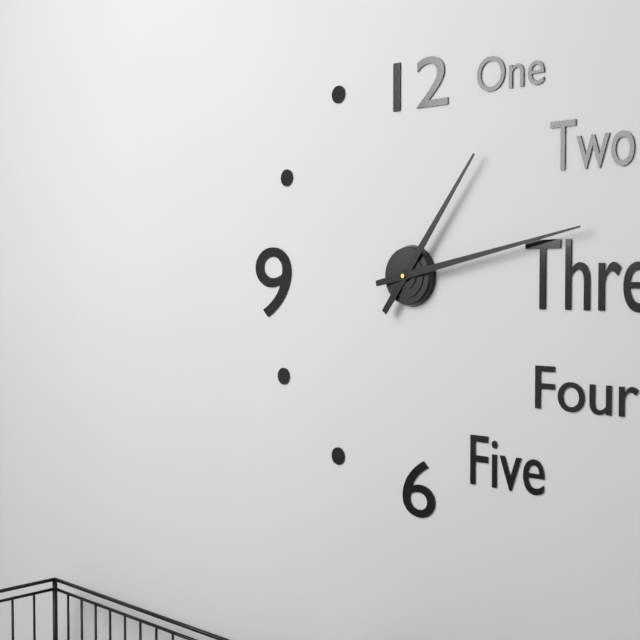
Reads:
1h13
